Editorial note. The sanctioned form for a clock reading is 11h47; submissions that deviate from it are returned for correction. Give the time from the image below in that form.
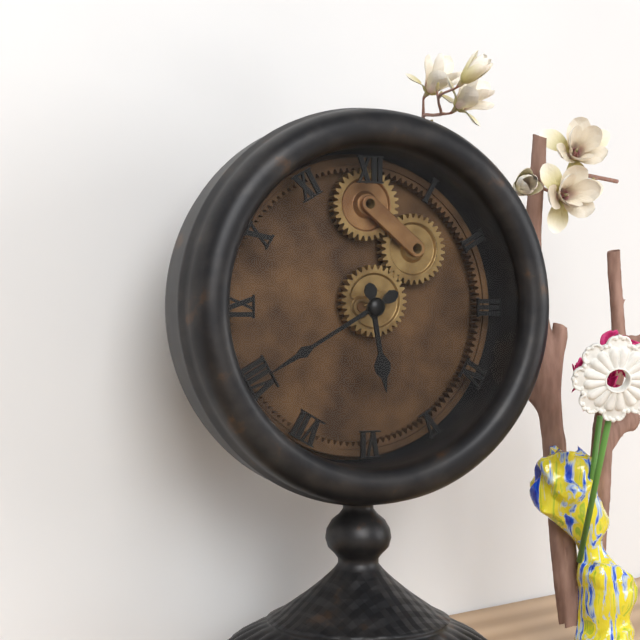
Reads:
5h40
